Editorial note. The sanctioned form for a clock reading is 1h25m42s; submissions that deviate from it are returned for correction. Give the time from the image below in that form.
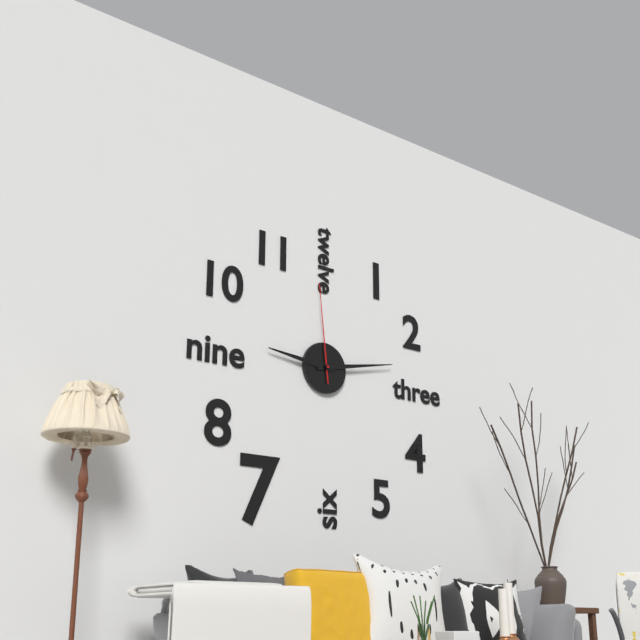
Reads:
9h13m59s
